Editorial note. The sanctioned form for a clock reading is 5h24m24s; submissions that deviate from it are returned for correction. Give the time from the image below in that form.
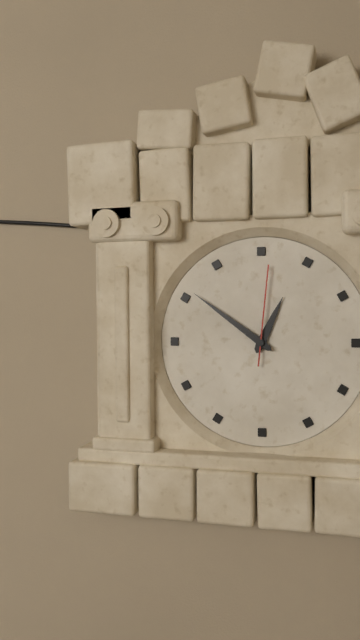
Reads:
12h51m01s
